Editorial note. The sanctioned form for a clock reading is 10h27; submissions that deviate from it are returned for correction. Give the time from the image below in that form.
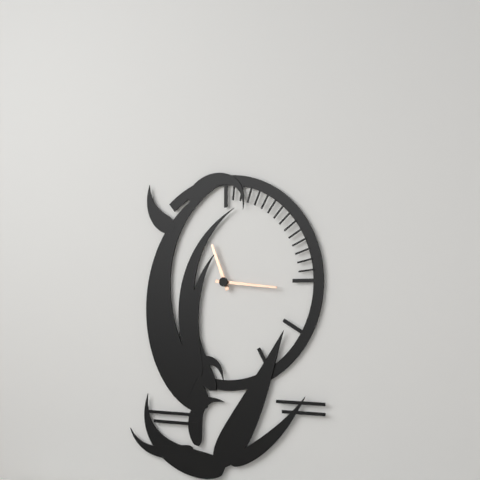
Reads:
11h16
